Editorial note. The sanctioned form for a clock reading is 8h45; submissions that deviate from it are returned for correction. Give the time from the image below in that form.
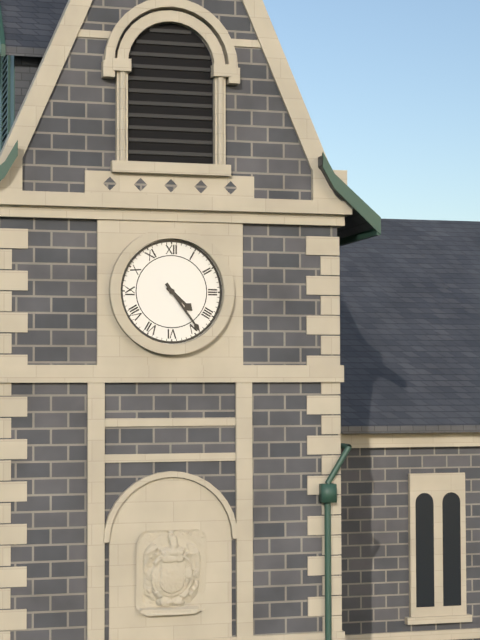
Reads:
4h24
